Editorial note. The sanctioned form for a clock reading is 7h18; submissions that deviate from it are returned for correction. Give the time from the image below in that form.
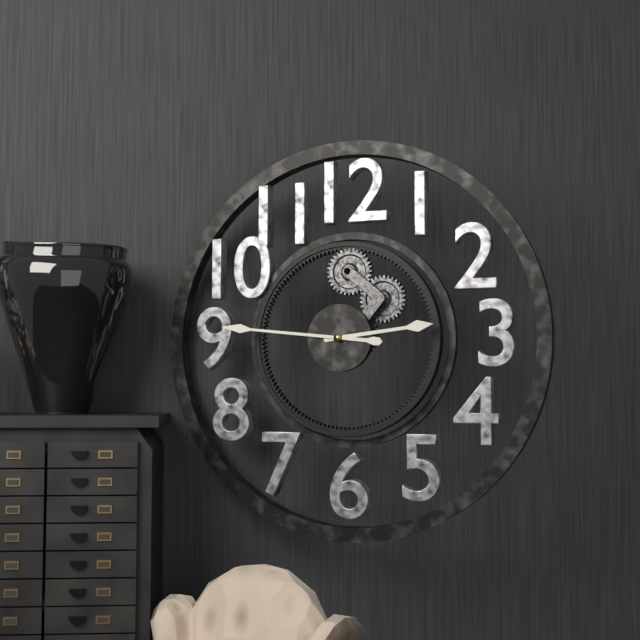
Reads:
2h46
